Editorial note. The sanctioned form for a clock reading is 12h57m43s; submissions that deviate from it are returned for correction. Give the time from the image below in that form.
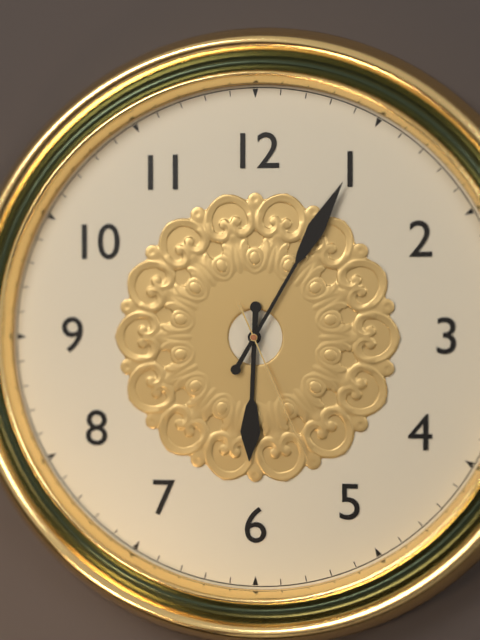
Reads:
6h05m26s
